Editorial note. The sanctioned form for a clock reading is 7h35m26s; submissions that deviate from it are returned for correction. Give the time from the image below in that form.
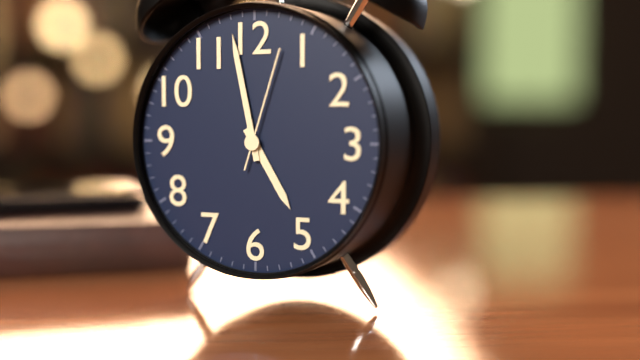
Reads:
4h58m03s
